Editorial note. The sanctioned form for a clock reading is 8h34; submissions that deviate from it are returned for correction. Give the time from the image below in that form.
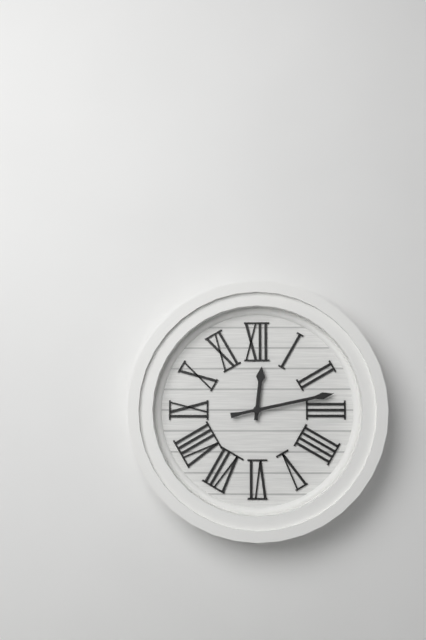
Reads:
12h13
